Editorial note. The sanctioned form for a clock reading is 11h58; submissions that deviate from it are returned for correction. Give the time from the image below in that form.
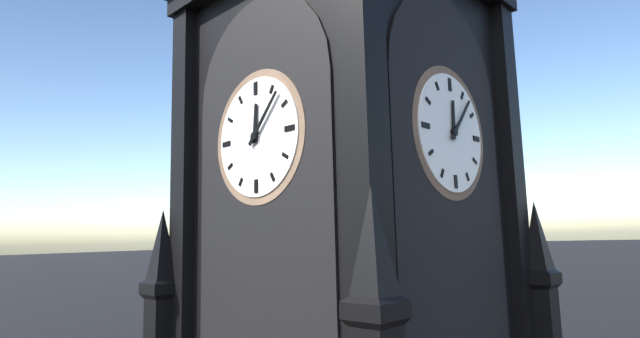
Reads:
12h07
